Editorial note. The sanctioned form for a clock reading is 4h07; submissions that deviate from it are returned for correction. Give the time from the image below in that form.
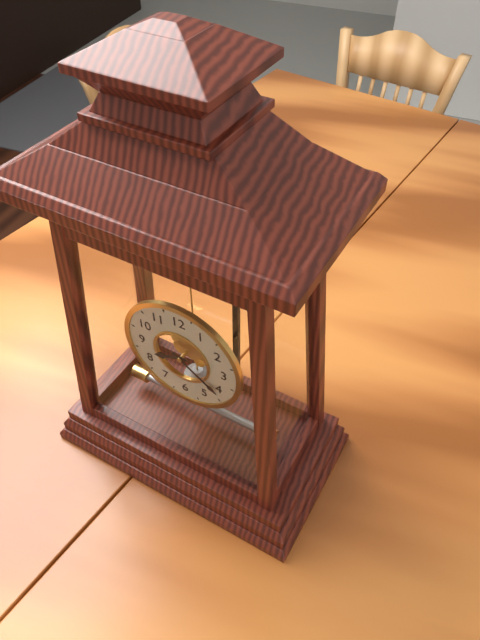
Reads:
8h21
